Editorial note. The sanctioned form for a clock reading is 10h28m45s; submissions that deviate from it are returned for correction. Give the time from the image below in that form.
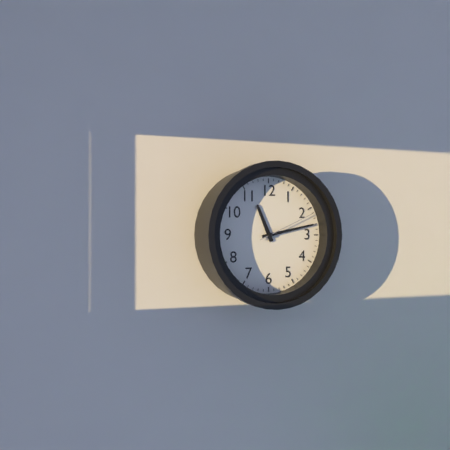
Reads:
11h13m11s
